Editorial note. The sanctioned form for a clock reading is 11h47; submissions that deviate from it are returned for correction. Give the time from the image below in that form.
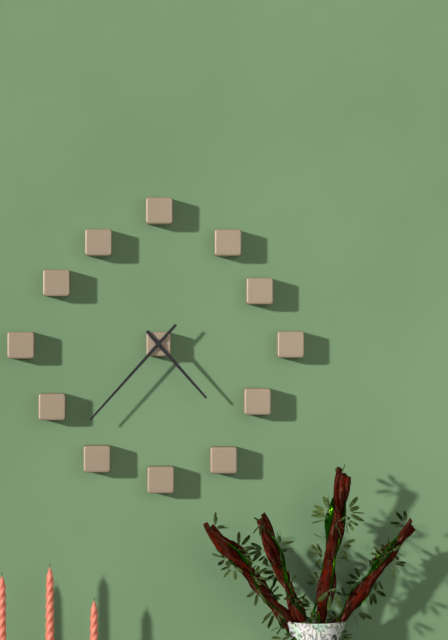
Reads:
4h37
